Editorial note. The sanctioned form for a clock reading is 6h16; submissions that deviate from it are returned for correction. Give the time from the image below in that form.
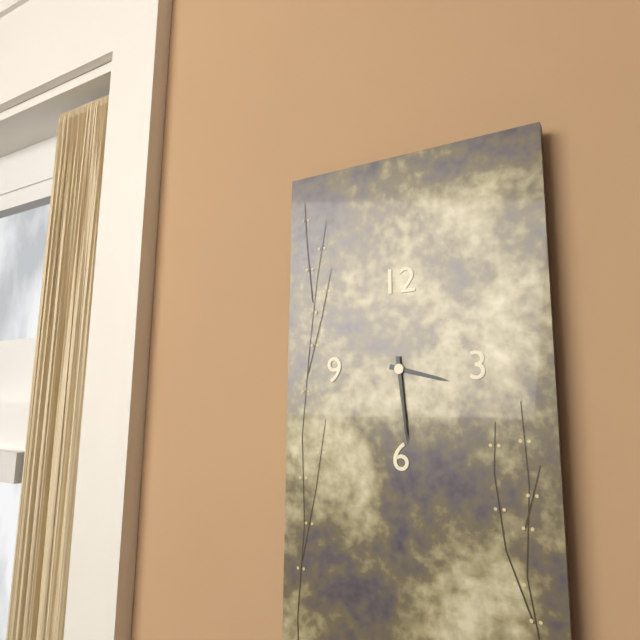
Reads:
3h29
